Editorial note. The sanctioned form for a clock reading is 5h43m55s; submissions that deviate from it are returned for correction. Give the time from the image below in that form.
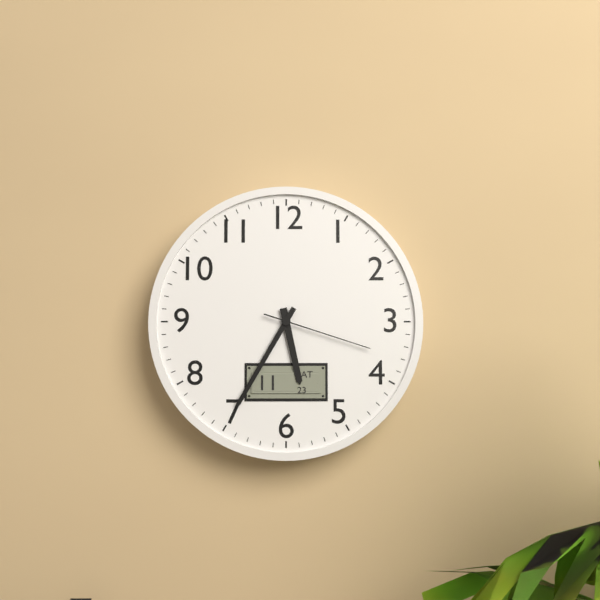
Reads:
5h35m18s
